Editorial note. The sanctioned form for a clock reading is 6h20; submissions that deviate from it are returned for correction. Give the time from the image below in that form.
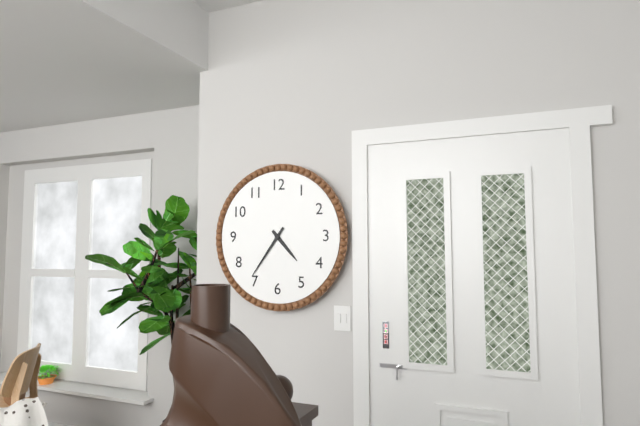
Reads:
4h36
